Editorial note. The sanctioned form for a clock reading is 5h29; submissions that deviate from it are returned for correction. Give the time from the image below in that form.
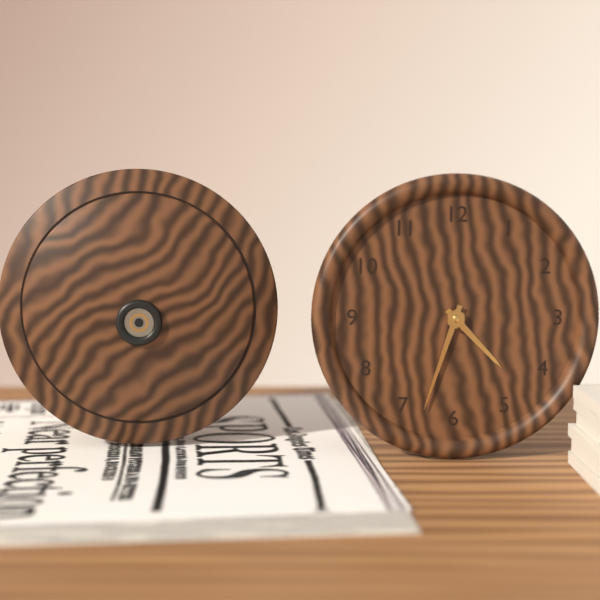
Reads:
4h33
